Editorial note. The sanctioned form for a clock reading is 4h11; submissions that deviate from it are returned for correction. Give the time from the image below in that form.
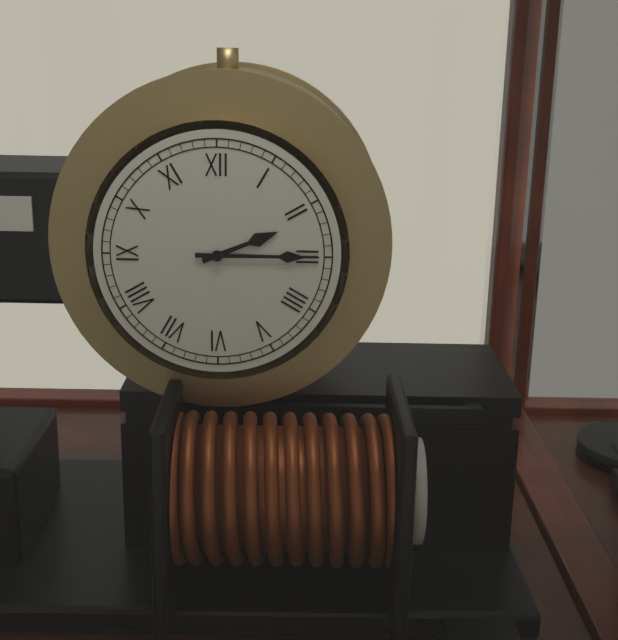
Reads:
2h15
